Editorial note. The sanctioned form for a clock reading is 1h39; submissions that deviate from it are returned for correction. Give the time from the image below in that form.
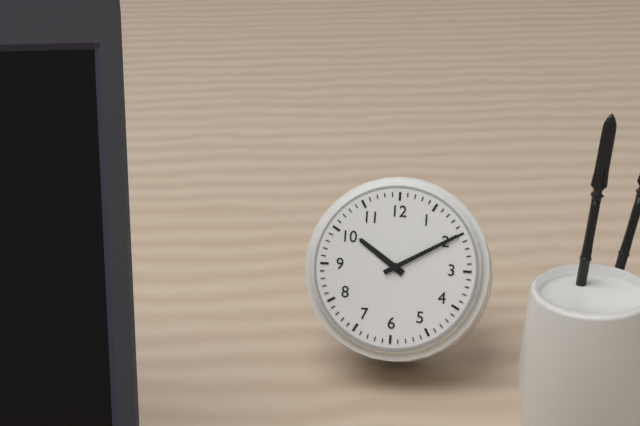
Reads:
10h10
